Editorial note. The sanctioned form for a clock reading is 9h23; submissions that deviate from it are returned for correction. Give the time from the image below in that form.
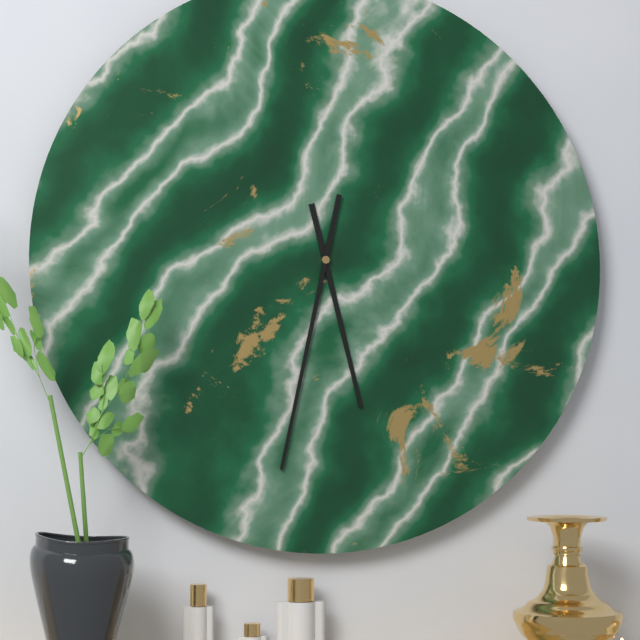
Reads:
5h32
